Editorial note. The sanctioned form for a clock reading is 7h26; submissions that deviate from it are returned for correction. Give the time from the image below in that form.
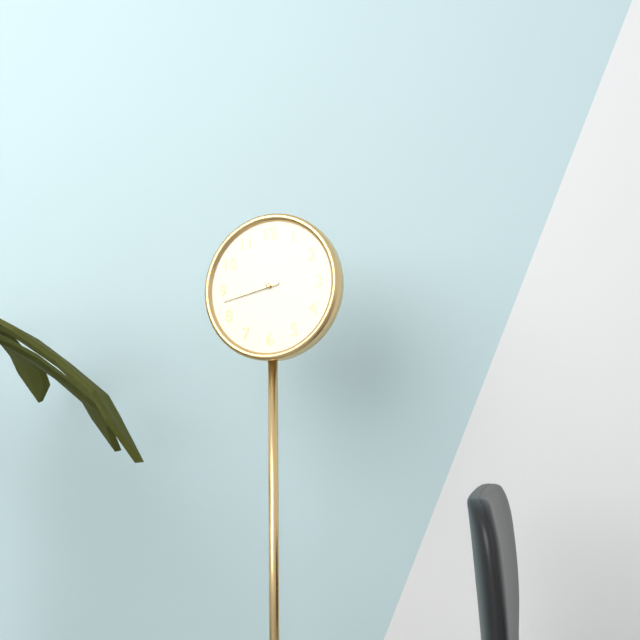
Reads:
8h43
